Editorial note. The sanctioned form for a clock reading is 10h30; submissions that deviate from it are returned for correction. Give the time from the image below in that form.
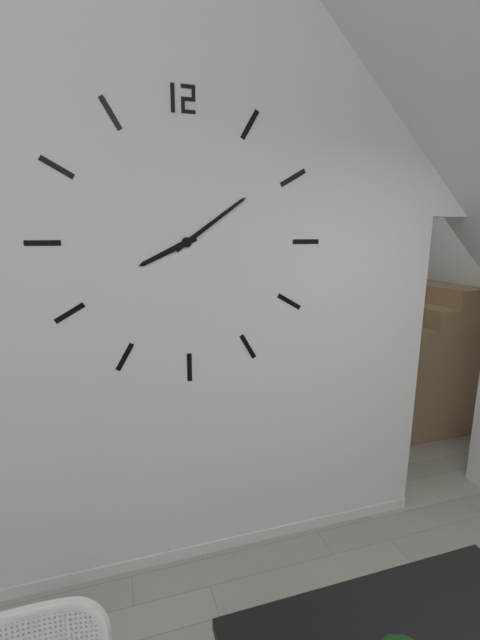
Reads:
8h09
